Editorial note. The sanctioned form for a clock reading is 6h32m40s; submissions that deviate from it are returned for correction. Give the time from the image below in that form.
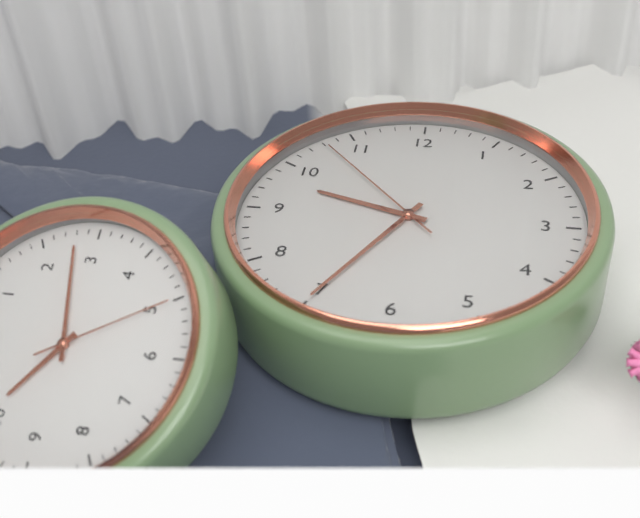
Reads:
9h35m53s
